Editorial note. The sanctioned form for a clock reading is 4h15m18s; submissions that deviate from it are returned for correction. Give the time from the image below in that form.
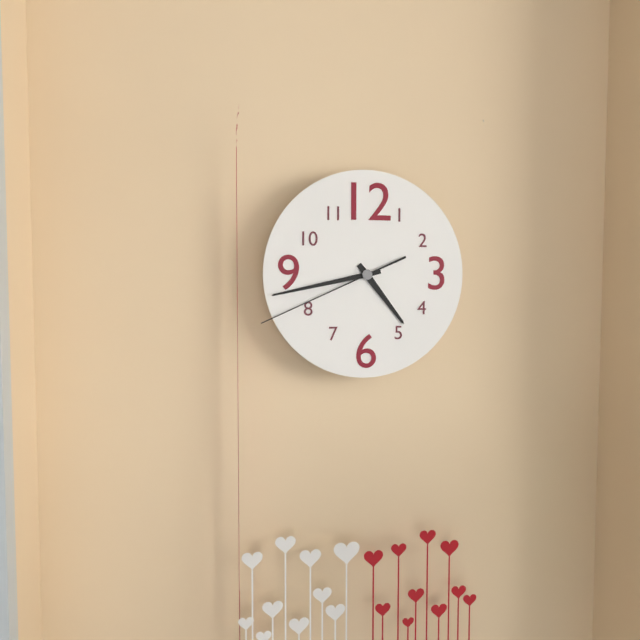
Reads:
4h43m41s
